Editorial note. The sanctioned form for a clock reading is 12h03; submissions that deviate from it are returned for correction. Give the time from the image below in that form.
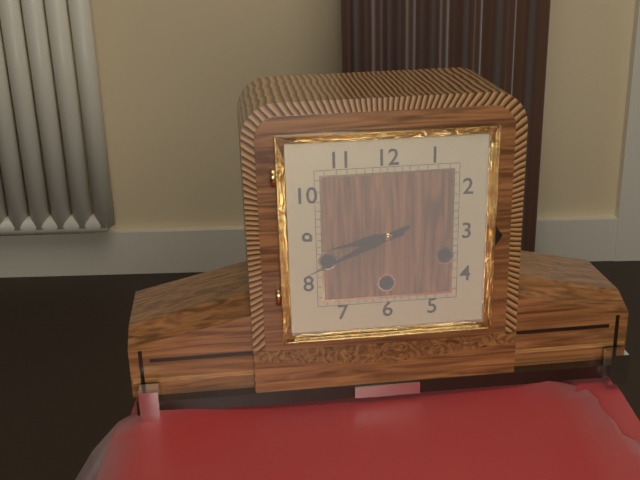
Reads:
8h41
